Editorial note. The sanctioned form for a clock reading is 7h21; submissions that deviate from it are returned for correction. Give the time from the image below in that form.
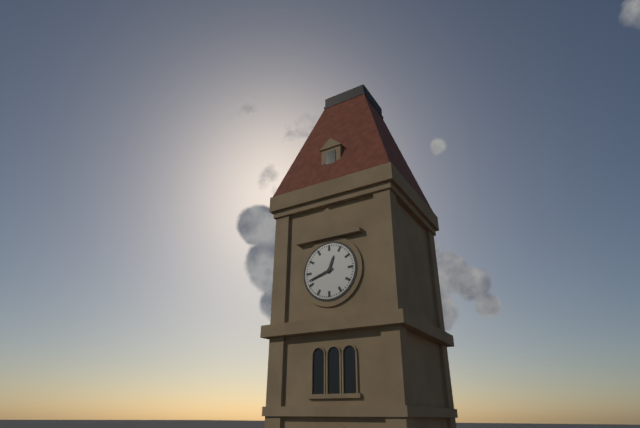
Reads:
12h42
